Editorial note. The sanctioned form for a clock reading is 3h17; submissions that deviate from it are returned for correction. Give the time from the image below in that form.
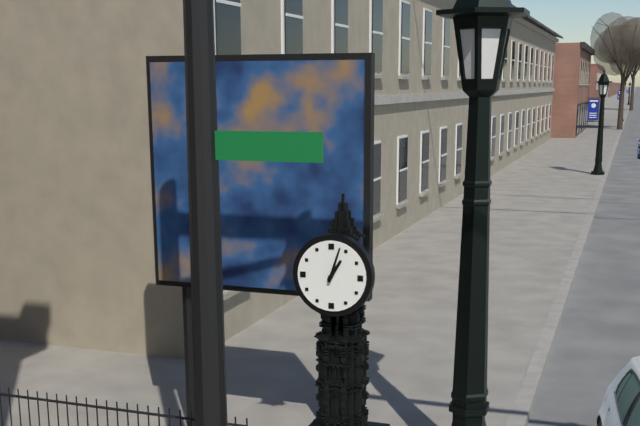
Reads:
1h03
